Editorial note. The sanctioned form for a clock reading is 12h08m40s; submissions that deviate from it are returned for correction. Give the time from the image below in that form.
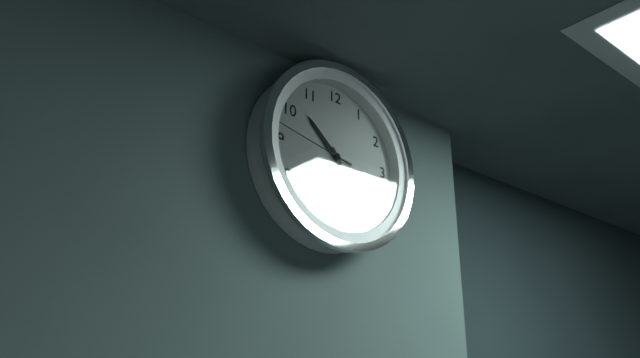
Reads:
10h25m47s
